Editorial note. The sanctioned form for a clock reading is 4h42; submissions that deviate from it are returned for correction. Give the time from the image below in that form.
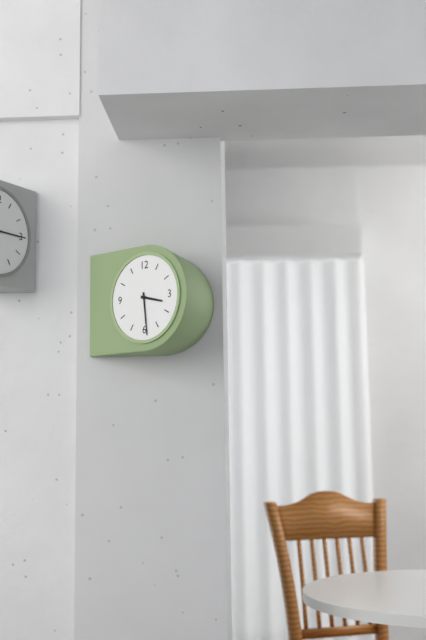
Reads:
3h29
